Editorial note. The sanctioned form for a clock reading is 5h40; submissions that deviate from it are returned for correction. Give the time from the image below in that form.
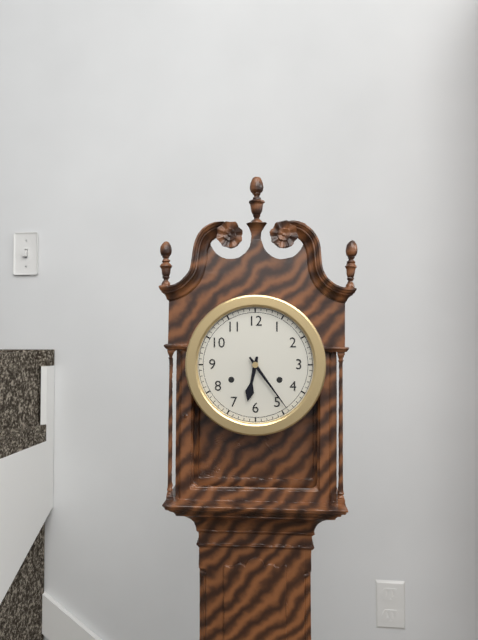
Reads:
6h24
